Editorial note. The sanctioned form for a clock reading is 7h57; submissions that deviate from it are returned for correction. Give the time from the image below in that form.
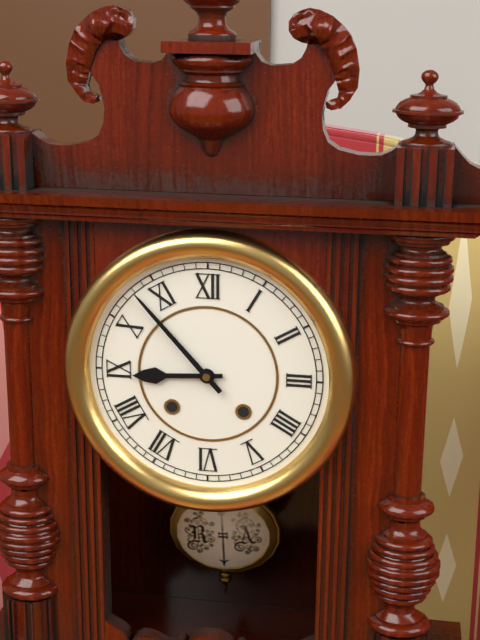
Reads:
8h53
